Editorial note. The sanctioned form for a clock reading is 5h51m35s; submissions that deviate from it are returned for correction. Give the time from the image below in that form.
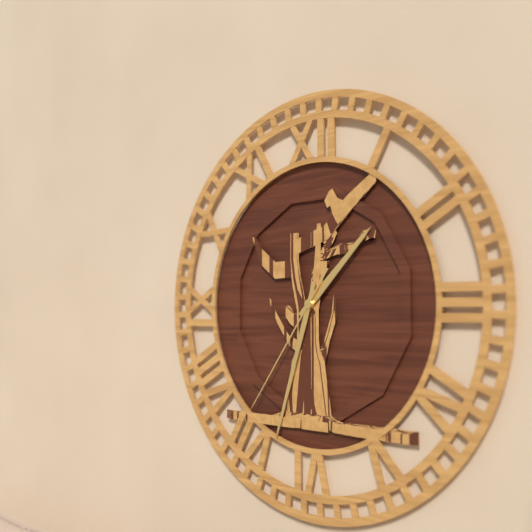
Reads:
1h33m36s
